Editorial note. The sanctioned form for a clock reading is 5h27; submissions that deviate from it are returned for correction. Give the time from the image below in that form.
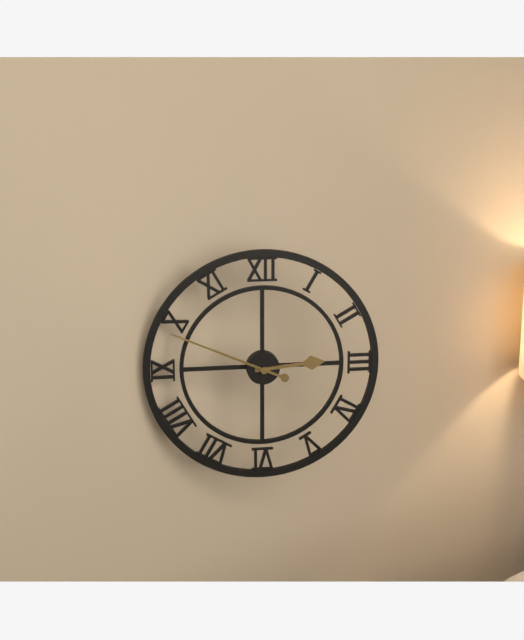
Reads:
2h49
